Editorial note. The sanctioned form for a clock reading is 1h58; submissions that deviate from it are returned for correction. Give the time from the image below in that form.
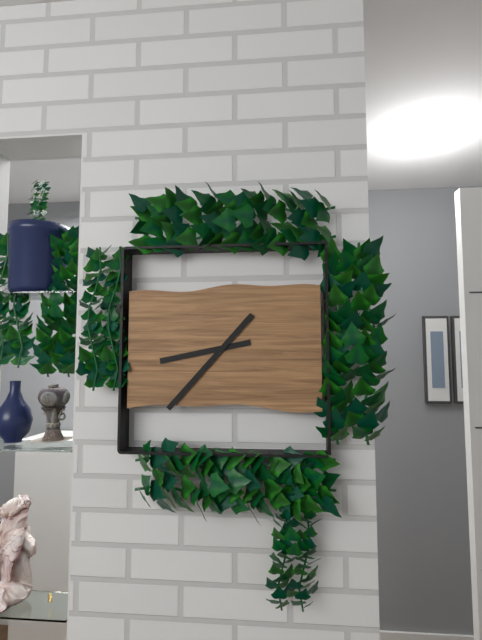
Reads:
8h37
